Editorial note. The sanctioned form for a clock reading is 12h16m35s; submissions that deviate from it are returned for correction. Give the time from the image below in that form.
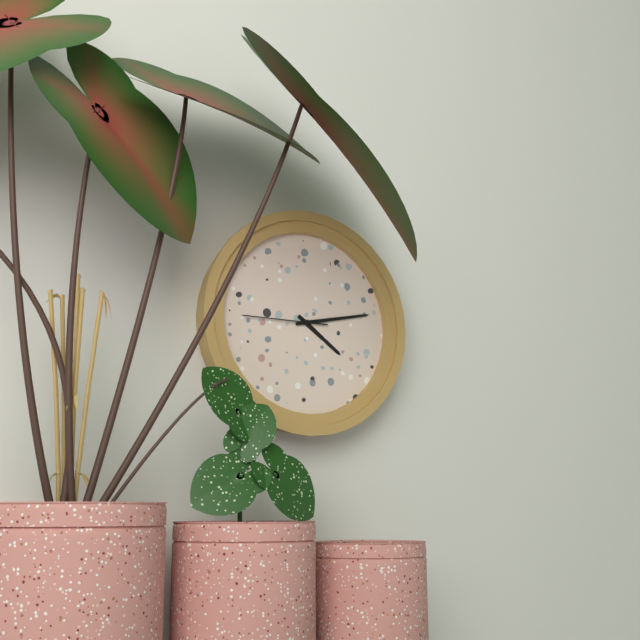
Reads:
4h13m45s
